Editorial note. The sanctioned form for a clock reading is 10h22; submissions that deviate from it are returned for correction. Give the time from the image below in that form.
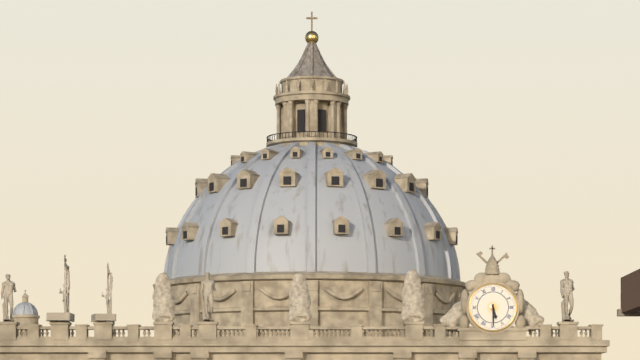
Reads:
5h30
